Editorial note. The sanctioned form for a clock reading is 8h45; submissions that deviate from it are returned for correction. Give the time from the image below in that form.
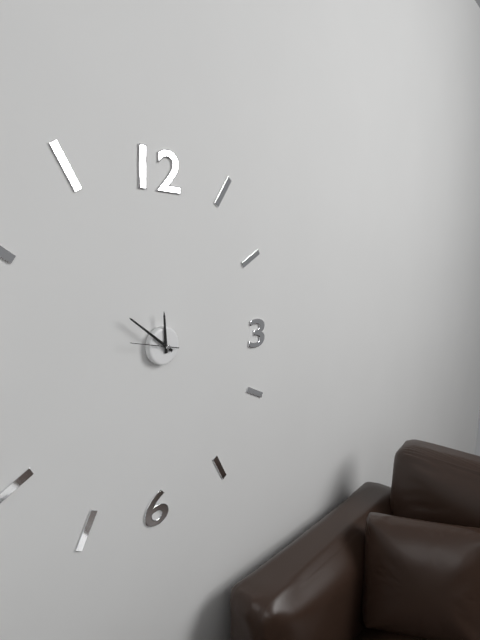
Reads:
11h51
